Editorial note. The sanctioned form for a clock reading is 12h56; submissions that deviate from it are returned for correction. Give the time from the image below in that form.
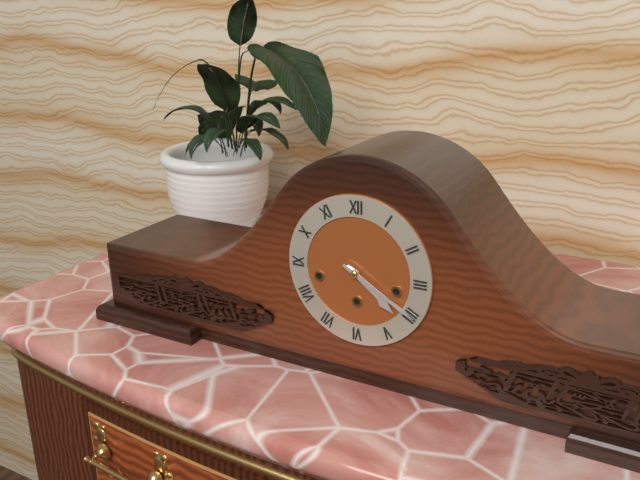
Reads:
4h20
